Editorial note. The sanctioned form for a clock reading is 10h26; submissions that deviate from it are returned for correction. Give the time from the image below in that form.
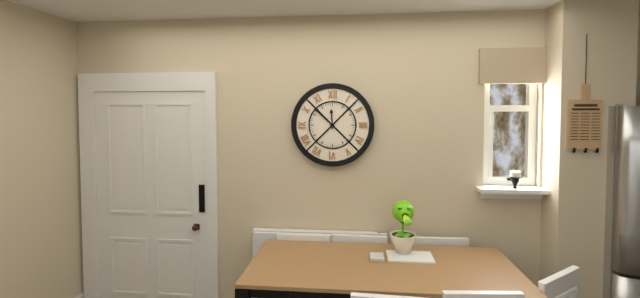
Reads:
11h52
